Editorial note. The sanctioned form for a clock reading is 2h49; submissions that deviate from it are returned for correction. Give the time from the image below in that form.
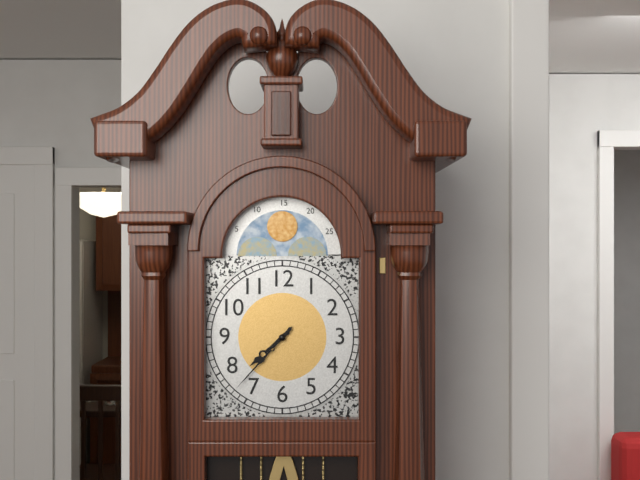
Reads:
7h37
